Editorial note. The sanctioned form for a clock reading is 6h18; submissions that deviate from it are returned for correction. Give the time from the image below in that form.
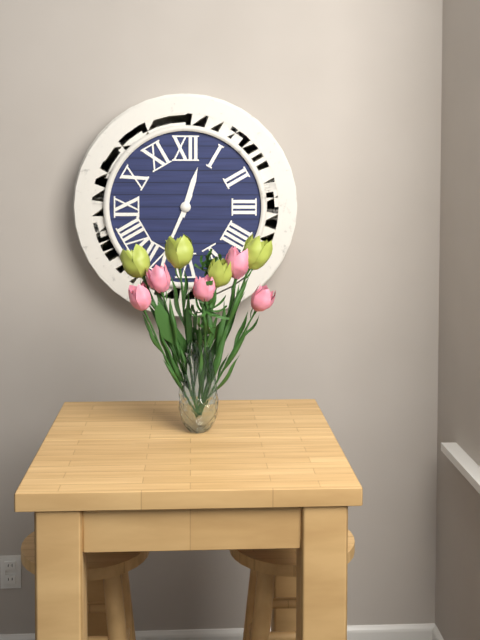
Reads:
12h34
